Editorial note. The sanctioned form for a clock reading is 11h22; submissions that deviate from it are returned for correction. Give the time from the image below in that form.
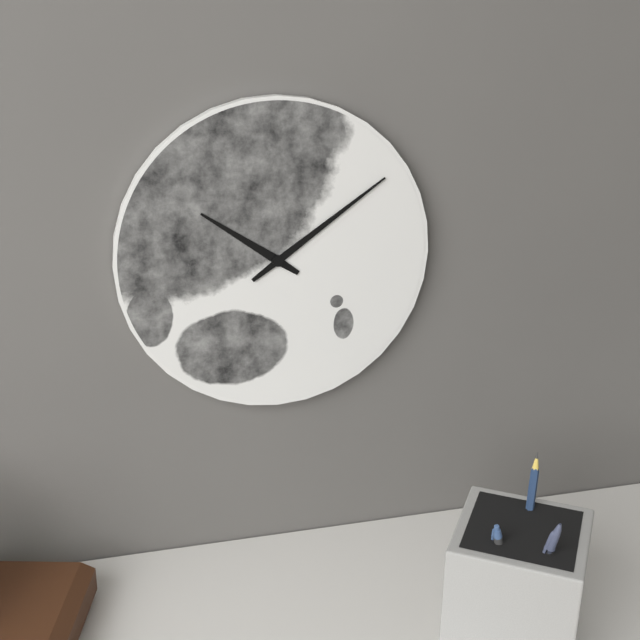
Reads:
10h09
